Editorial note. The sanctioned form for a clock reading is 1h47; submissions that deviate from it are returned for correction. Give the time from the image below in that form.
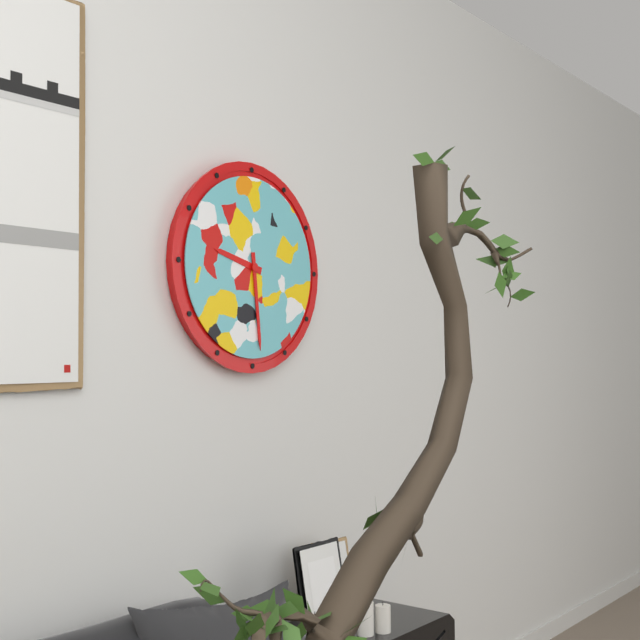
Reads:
9h29
